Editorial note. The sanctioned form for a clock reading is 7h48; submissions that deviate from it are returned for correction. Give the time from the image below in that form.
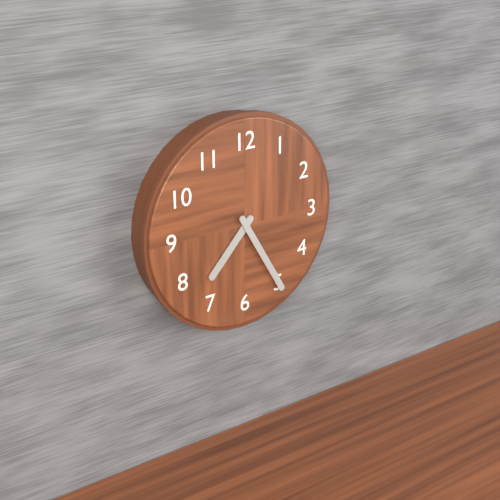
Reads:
7h25
